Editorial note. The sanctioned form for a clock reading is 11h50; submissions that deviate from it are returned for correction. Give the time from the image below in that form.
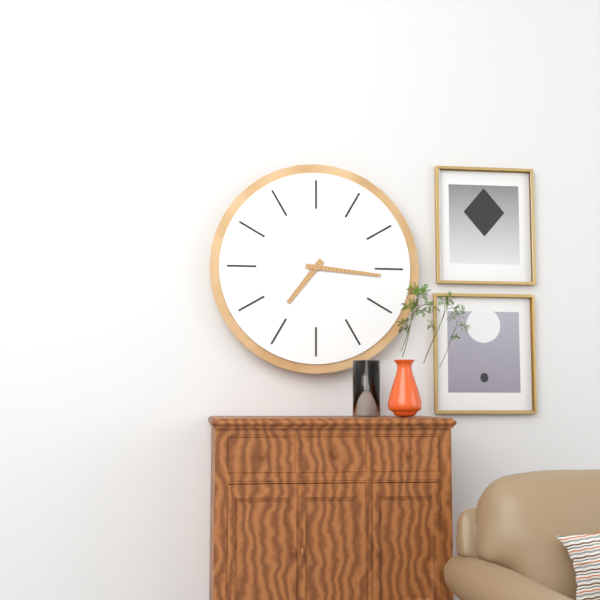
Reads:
7h16
